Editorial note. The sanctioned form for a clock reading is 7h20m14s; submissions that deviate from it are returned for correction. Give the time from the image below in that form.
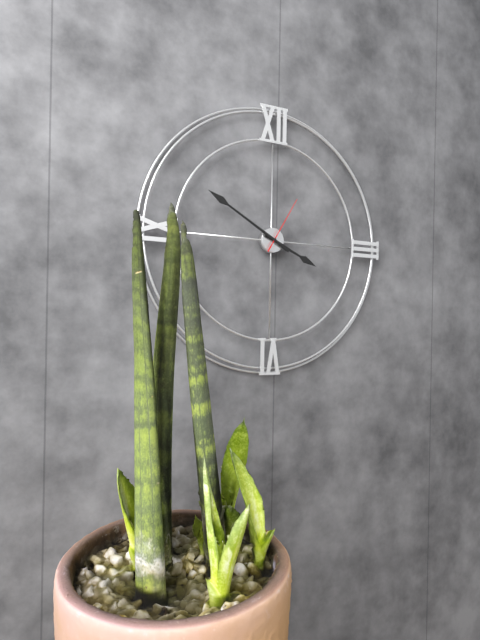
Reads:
3h50m05s
